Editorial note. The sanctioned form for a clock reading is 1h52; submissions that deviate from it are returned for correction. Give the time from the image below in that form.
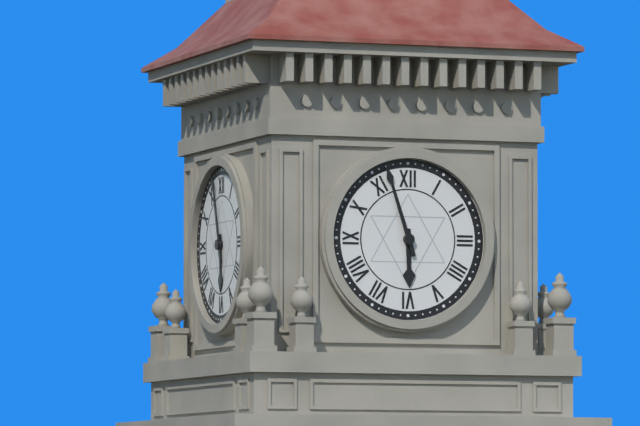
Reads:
5h57
